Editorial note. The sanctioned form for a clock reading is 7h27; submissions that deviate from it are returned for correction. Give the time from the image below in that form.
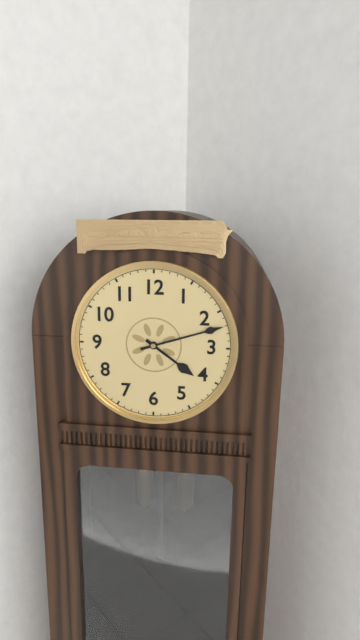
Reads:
4h12
